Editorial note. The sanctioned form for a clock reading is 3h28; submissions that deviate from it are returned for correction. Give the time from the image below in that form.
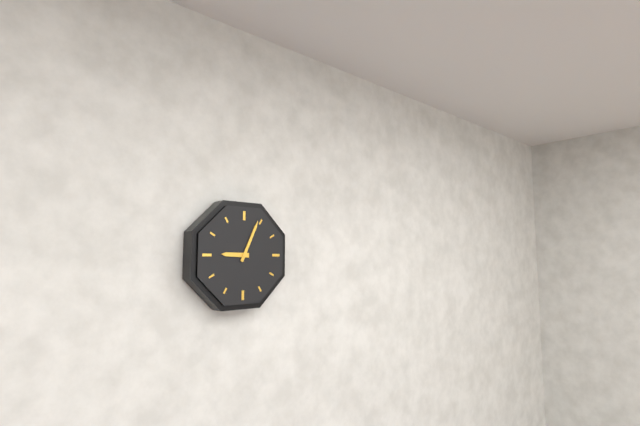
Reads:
9h04
